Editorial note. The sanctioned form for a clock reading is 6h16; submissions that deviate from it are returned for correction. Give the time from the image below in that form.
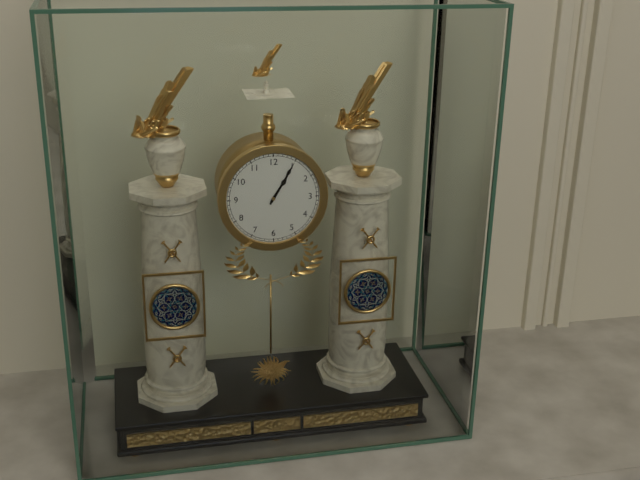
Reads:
1h05
